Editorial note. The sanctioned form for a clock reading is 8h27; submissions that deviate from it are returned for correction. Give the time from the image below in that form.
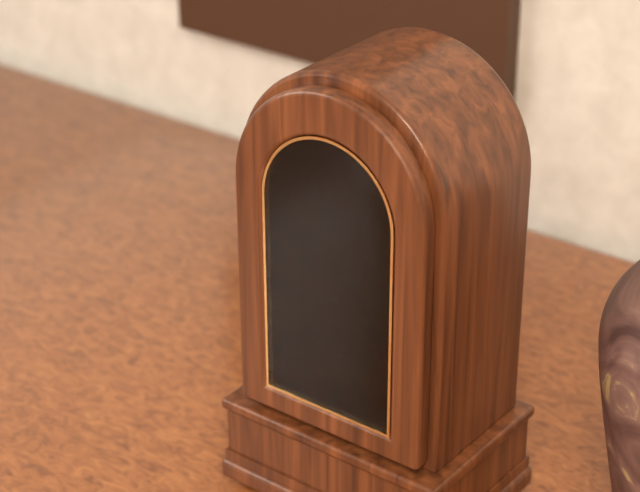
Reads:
10h35
